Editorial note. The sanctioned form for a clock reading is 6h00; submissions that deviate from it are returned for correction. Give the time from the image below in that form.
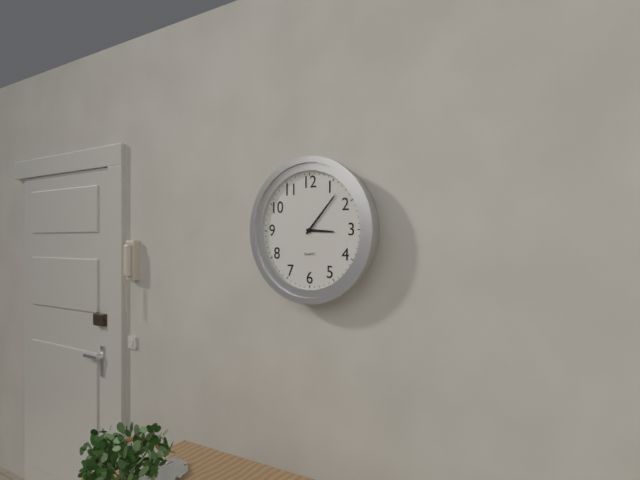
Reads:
3h07
